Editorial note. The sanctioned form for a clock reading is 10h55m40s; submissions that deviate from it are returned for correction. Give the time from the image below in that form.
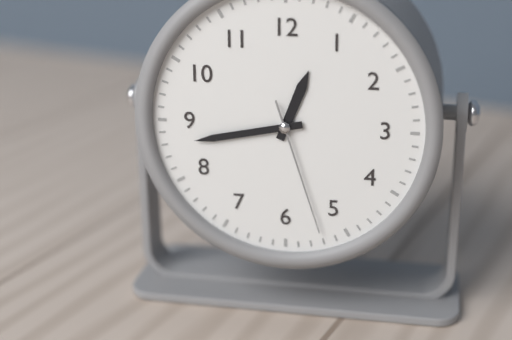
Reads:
12h43m27s
